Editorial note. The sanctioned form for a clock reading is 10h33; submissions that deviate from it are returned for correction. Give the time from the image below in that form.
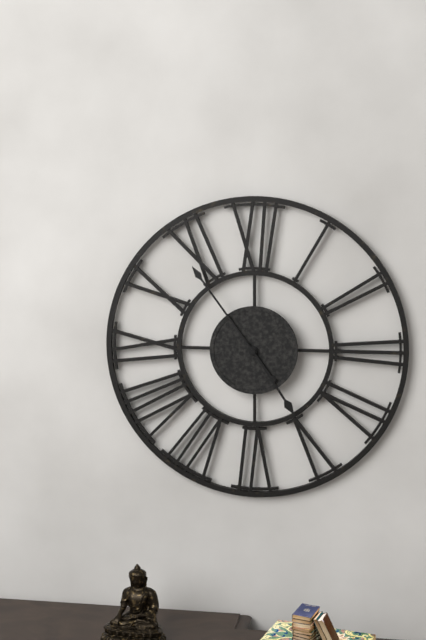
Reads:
4h54
